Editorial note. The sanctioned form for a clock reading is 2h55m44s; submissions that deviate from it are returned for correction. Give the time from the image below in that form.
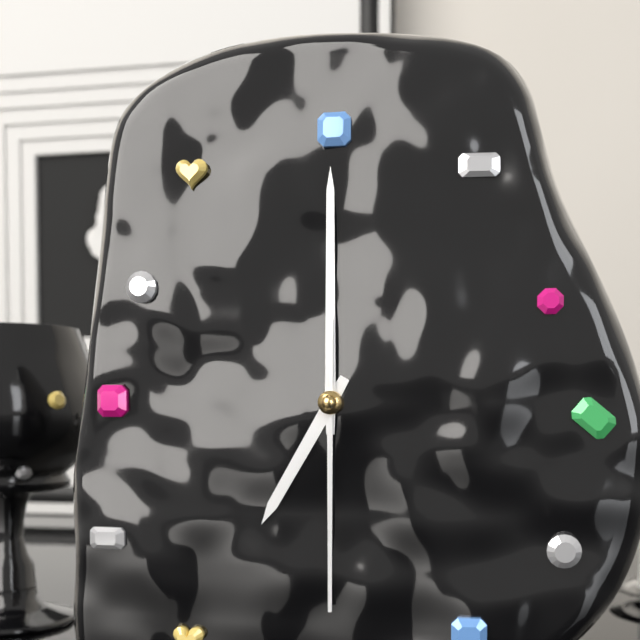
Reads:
7h00m30s
